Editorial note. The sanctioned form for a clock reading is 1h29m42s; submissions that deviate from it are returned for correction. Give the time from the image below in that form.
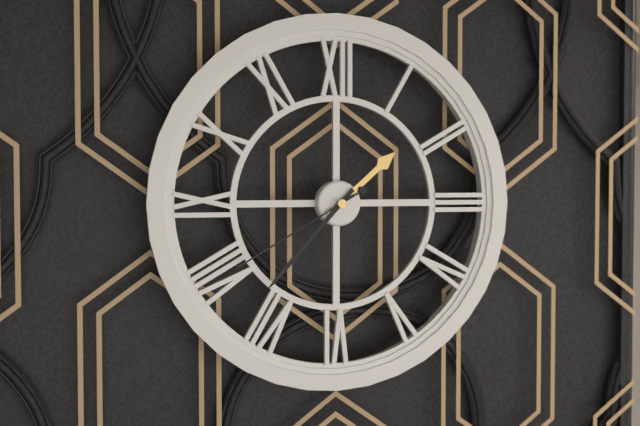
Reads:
1h37m40s
